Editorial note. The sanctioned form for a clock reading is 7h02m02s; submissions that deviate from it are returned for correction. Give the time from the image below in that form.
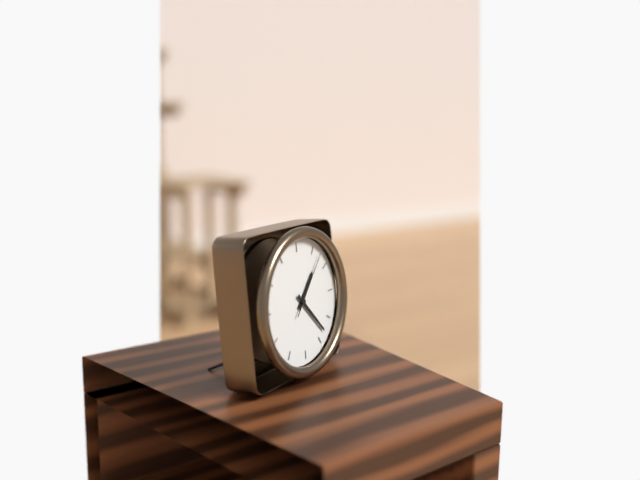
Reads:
1h23m07s
